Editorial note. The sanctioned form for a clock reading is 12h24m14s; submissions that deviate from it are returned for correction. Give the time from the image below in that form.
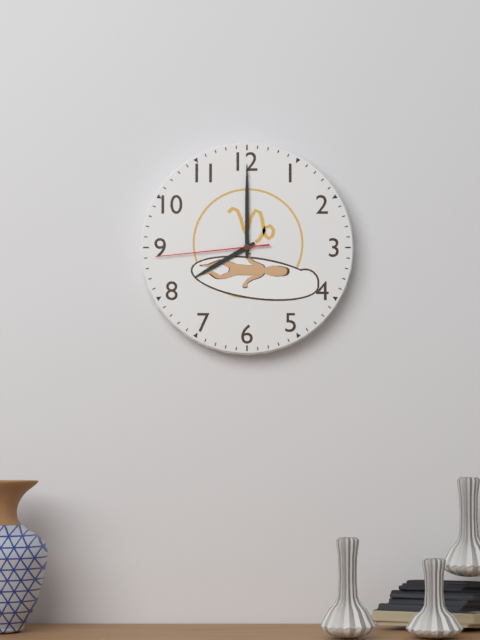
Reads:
8h00m44s
